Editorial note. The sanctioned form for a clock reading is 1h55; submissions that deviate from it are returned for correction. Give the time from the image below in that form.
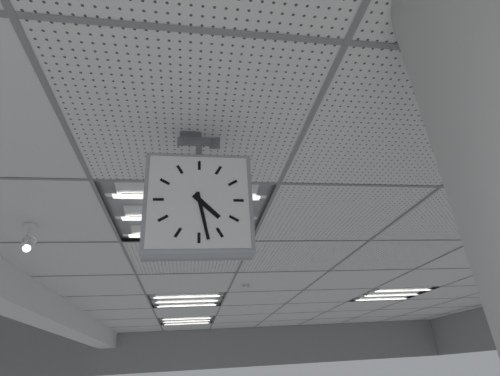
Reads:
4h28
